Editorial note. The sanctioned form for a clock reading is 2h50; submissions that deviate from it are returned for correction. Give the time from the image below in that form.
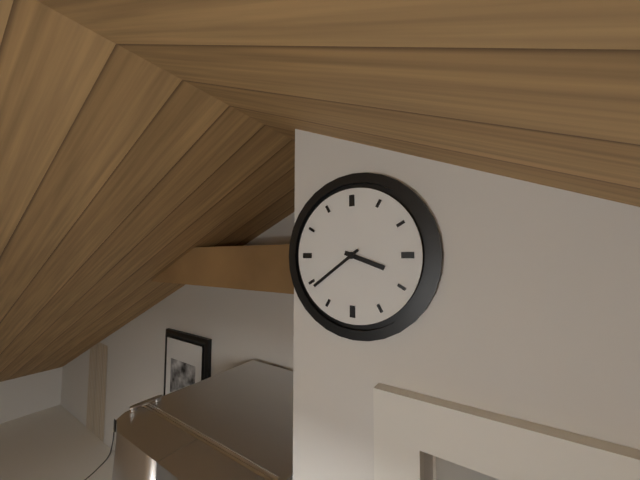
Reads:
3h39
